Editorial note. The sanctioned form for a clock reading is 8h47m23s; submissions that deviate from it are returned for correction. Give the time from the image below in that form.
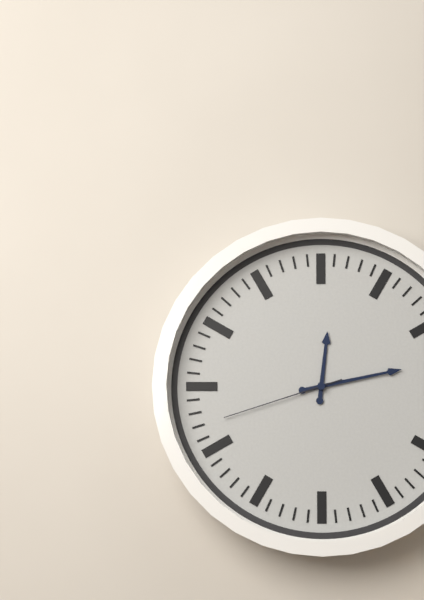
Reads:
12h13m42s
